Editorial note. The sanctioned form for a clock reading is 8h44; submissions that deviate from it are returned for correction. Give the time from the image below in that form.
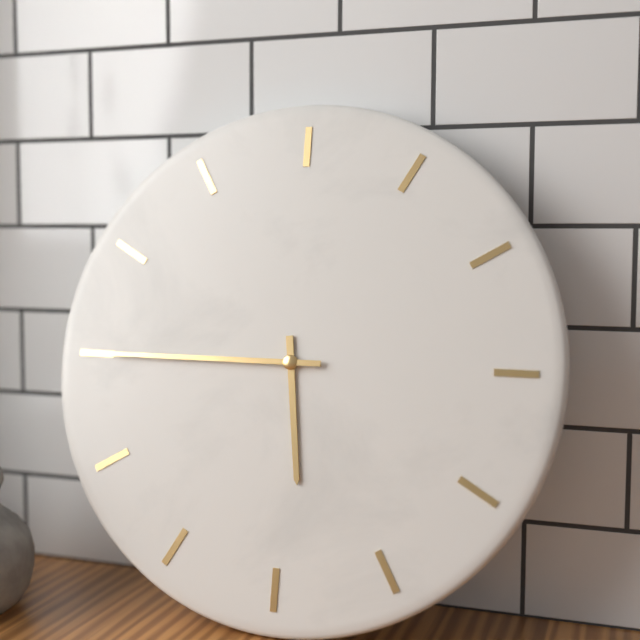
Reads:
5h45
